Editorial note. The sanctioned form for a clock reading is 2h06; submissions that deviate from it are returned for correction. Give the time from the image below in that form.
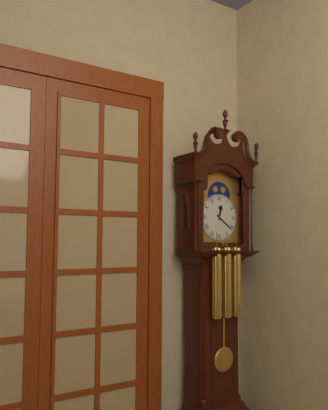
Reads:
12h21
